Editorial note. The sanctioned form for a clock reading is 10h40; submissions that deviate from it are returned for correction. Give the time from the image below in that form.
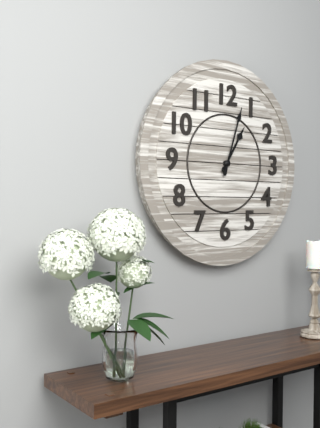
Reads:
1h03
